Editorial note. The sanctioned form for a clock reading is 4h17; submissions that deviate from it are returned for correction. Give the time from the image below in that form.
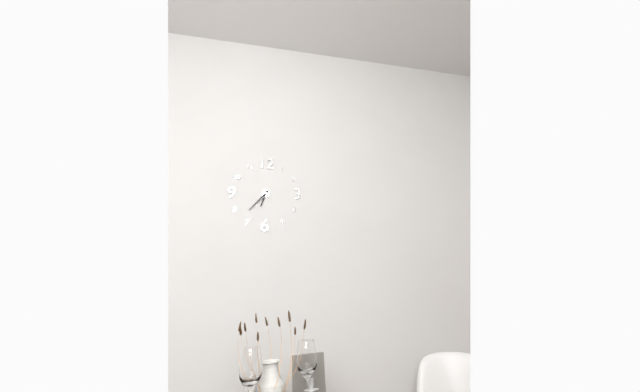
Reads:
6h37
